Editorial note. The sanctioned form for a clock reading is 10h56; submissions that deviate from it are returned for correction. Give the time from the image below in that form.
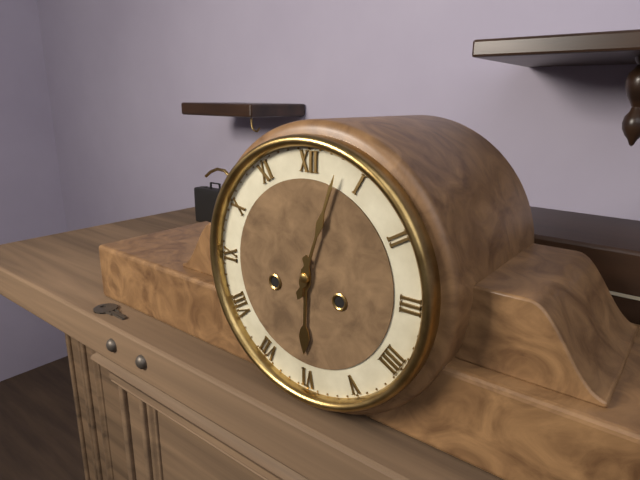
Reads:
6h03
